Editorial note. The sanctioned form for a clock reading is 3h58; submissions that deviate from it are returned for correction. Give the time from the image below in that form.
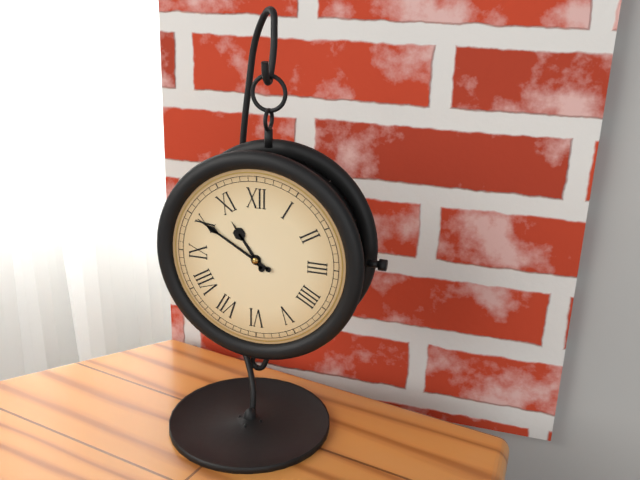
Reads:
10h50
